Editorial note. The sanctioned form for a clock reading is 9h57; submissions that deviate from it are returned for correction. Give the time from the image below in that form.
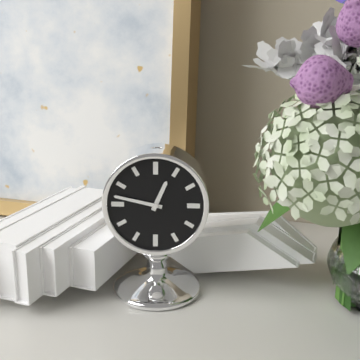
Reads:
12h47
